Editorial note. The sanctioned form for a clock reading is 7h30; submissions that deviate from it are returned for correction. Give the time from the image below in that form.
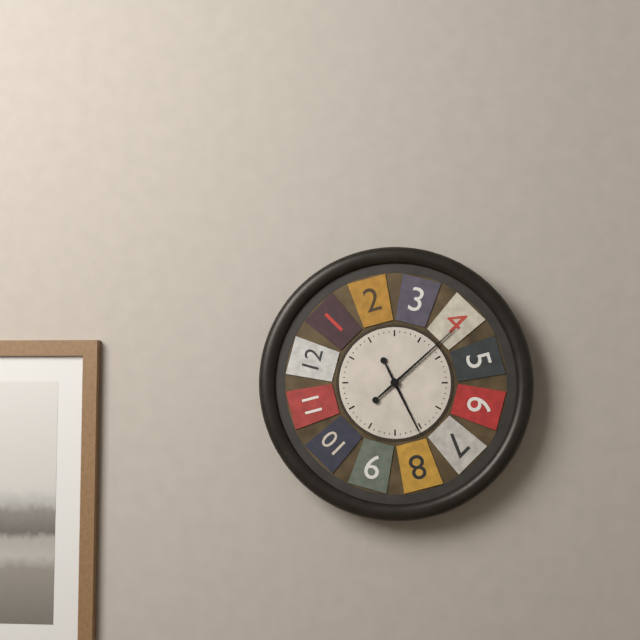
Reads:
5h08
